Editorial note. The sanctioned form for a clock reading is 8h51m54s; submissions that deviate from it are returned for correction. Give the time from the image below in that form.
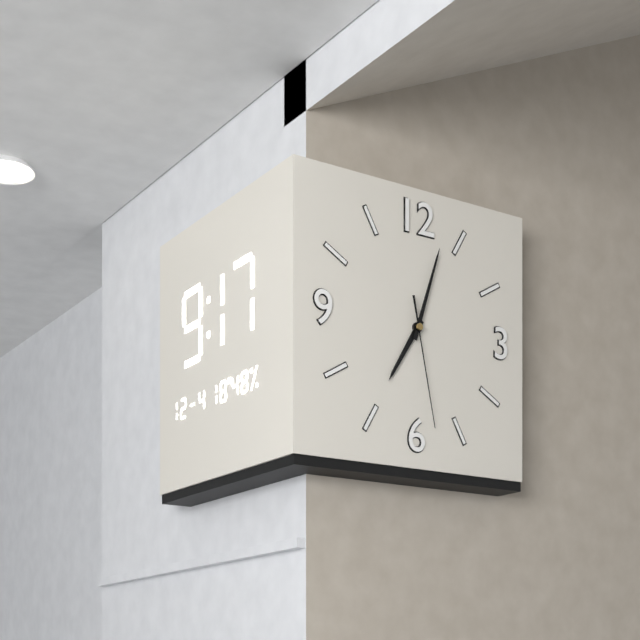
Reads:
7h03m28s
